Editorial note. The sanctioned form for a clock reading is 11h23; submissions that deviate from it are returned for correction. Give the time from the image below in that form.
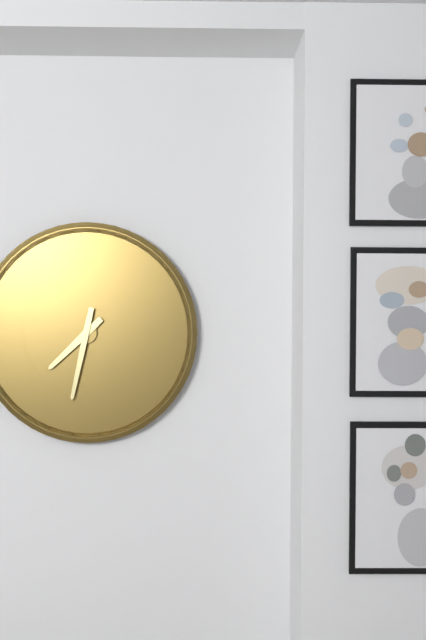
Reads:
7h32
